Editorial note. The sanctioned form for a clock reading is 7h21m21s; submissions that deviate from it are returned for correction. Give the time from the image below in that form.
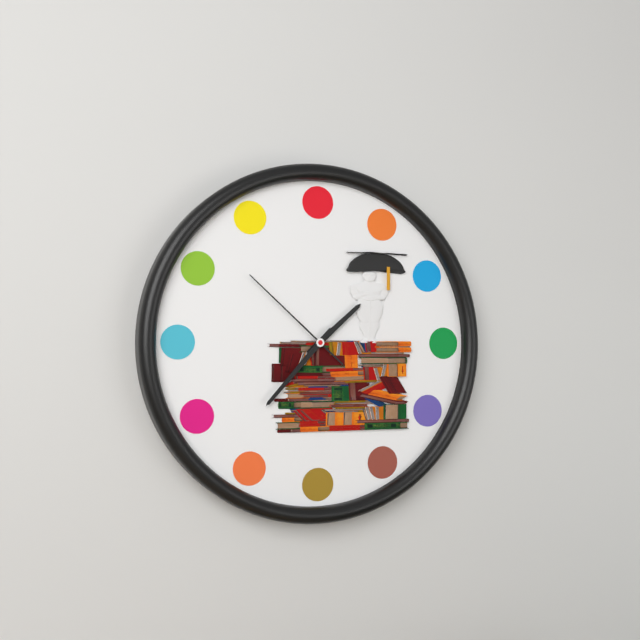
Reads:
1h37m52s
